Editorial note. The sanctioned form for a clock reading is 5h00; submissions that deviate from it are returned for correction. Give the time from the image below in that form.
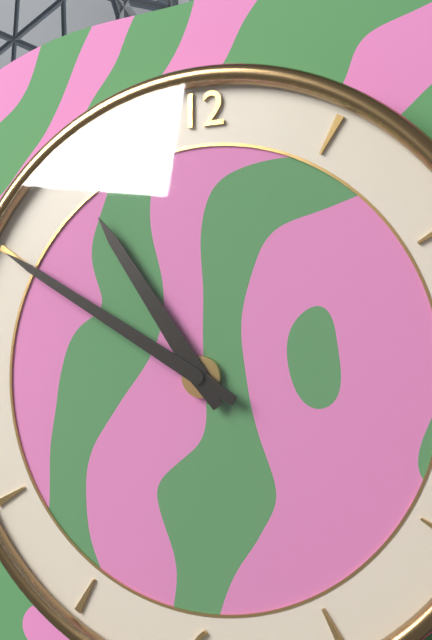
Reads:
10h50
